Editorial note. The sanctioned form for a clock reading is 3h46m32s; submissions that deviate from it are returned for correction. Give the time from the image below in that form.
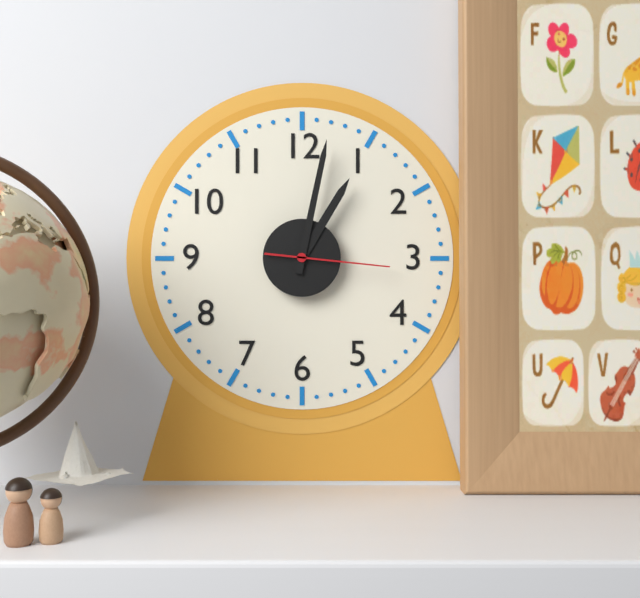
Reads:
1h02m16s
